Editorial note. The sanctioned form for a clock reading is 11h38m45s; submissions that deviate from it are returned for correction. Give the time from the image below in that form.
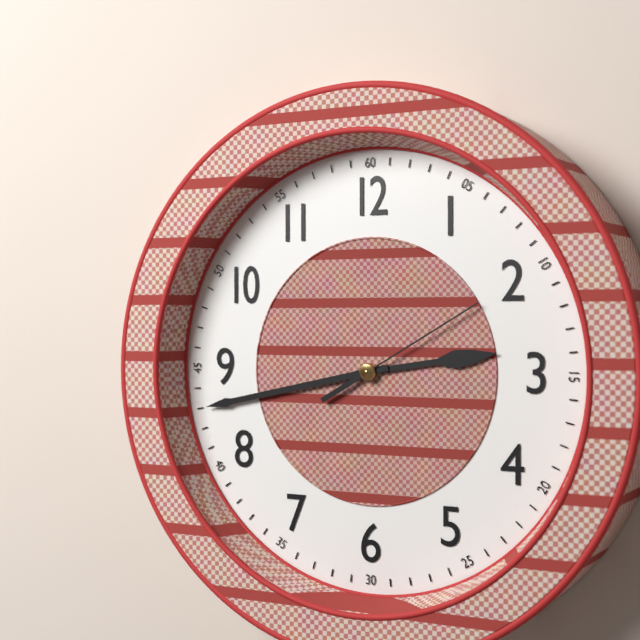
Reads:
2h43m10s
